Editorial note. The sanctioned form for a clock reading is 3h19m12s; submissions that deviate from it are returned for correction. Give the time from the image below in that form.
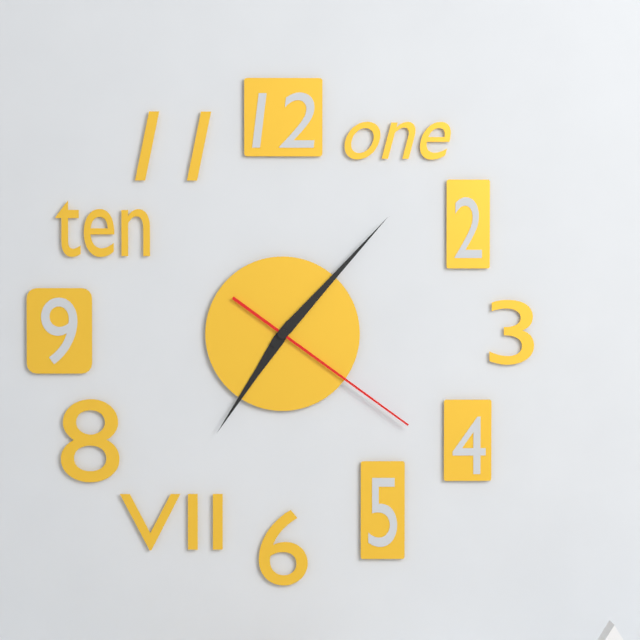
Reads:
7h07m21s
